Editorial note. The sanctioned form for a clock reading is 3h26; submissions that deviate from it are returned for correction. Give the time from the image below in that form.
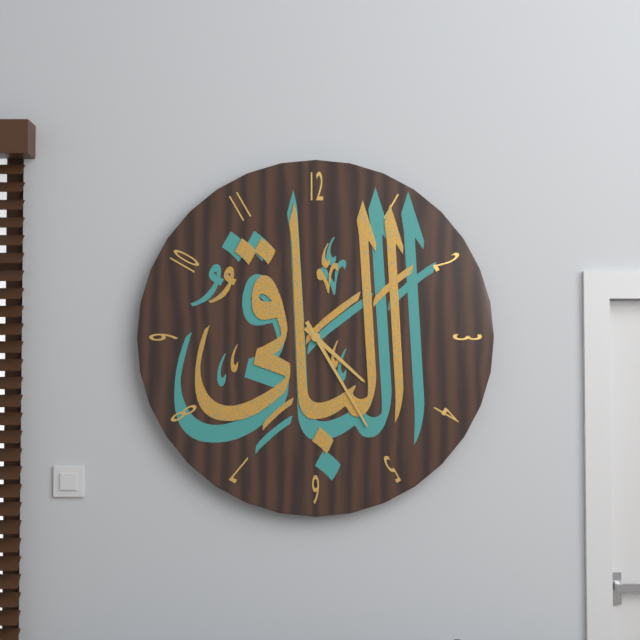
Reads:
4h25
